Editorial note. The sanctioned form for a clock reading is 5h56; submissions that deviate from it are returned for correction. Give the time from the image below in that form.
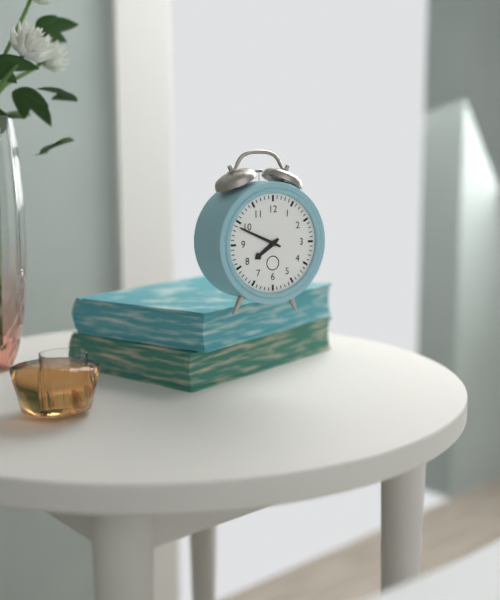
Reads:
7h49
